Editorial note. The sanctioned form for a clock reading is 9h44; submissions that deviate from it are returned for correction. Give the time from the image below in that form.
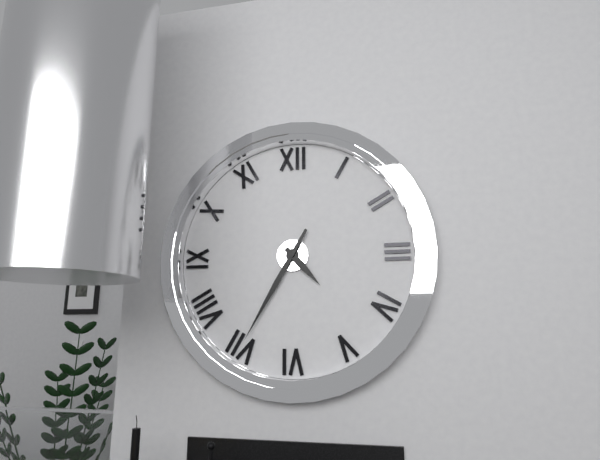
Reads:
4h35
